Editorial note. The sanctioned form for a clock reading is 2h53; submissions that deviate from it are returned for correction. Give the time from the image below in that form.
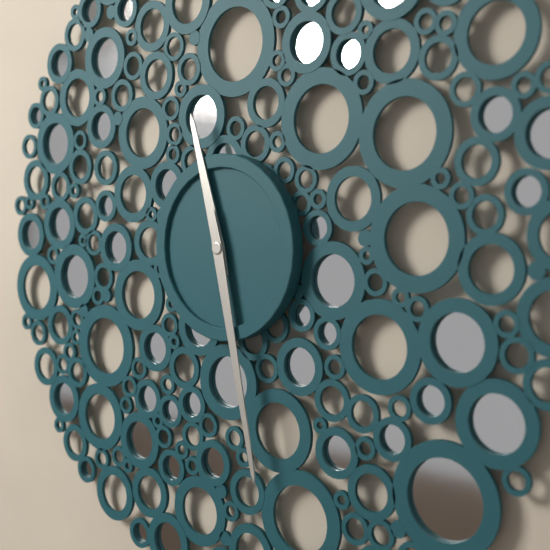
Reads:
11h28
